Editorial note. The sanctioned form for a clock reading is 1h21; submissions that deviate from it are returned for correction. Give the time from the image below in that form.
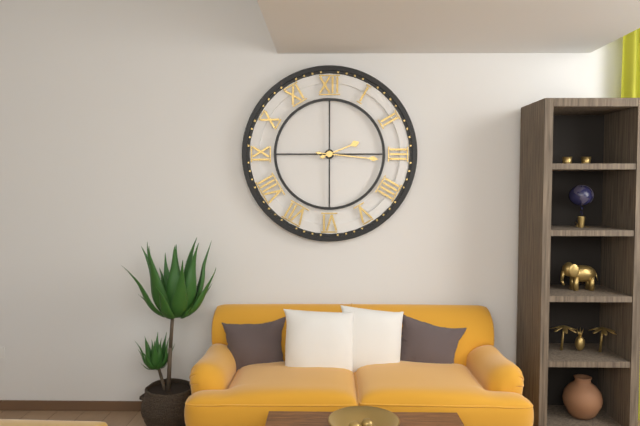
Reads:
2h16
